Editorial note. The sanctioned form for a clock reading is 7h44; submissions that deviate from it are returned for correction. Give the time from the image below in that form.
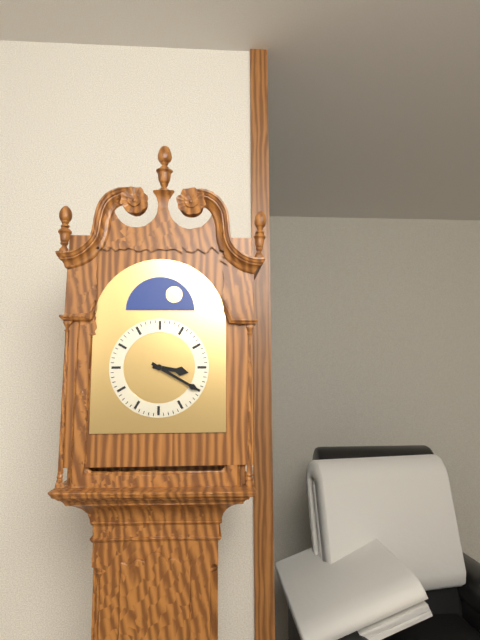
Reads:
3h20
